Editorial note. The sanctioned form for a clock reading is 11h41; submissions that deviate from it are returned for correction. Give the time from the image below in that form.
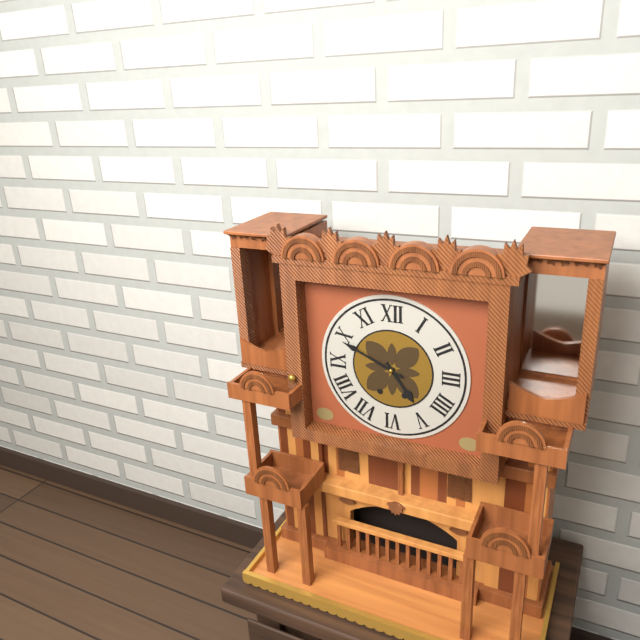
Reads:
4h49
